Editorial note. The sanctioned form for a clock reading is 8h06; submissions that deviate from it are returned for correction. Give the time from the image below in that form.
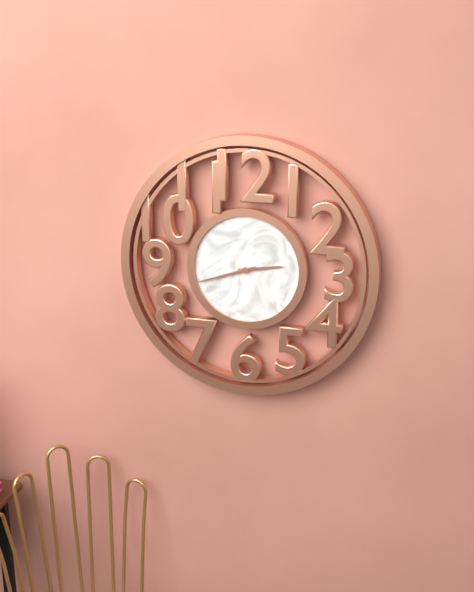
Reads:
2h42
